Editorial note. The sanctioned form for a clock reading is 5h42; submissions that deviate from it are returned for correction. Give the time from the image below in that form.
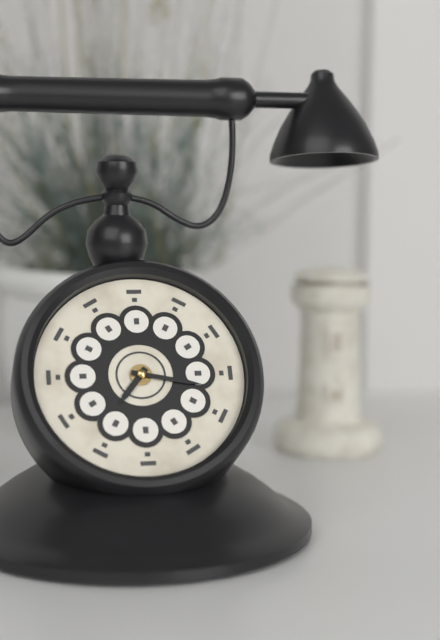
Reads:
7h17
